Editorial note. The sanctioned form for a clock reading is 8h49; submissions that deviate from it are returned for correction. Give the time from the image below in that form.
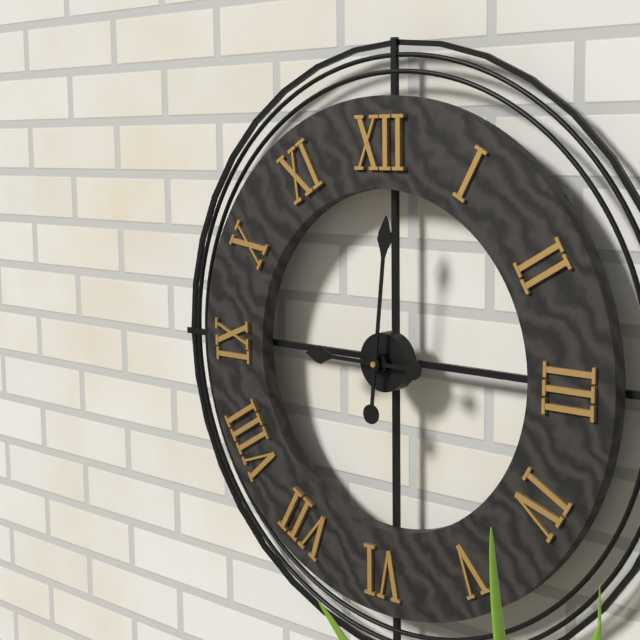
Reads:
9h01
